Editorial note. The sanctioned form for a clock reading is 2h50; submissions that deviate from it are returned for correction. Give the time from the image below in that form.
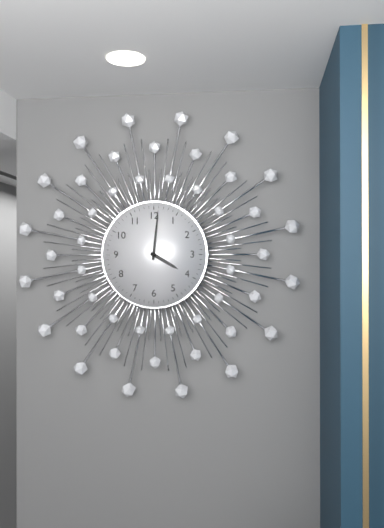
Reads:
4h01
